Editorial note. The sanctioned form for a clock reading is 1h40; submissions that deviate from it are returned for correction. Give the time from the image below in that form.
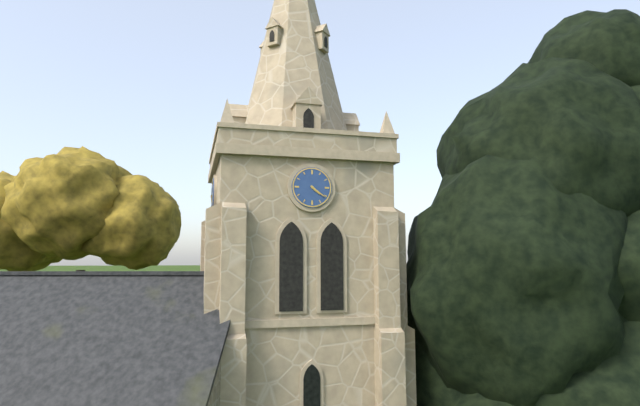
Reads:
4h21
